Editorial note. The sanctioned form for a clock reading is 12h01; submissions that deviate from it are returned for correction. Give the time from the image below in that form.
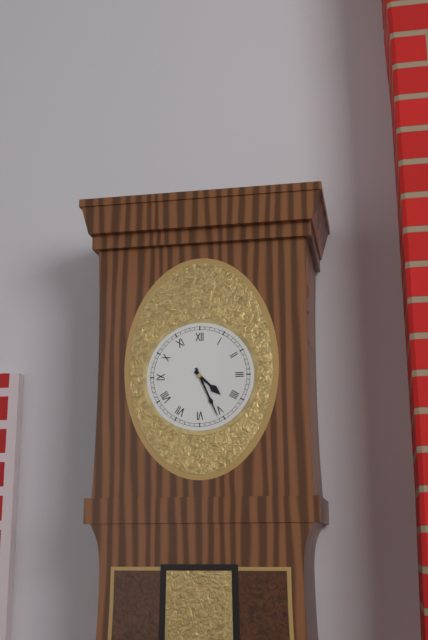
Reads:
4h26
